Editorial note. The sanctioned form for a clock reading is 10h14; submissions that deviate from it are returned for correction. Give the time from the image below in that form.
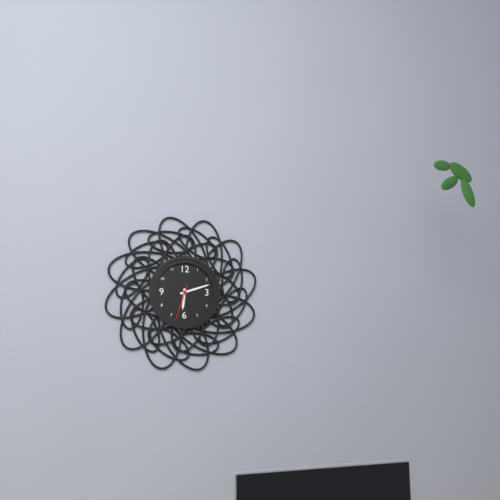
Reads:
6h12
